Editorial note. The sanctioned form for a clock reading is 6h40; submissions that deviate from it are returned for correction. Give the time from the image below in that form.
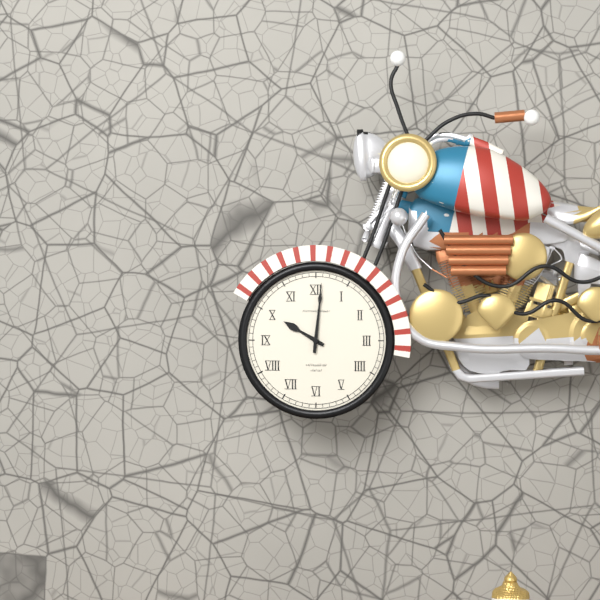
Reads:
10h01
